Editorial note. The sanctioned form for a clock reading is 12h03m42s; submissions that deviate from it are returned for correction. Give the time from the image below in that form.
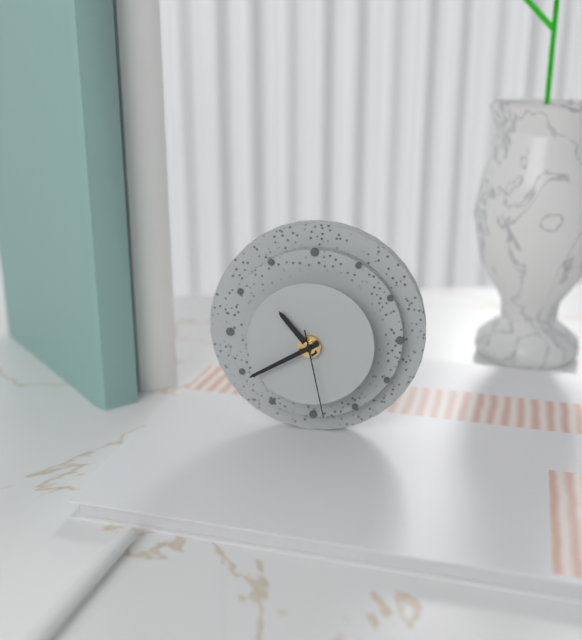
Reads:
10h40m28s
